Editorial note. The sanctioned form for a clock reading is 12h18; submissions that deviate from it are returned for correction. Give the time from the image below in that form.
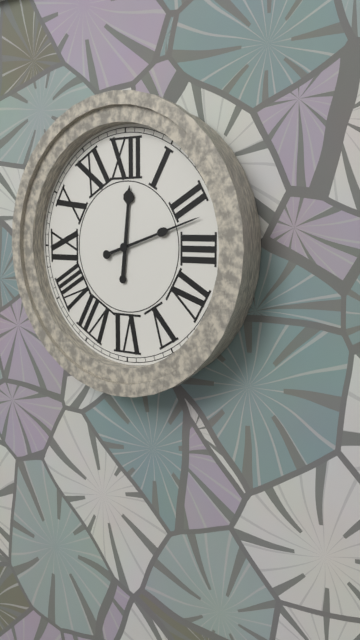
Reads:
12h12
